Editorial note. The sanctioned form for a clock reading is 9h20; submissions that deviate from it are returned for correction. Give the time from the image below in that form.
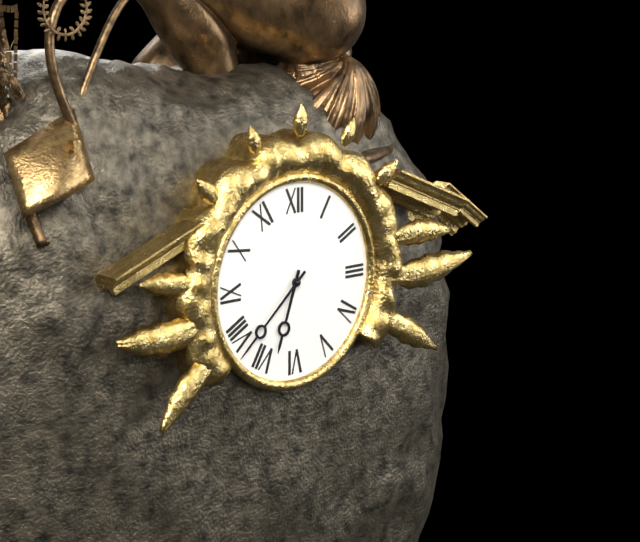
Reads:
6h38
